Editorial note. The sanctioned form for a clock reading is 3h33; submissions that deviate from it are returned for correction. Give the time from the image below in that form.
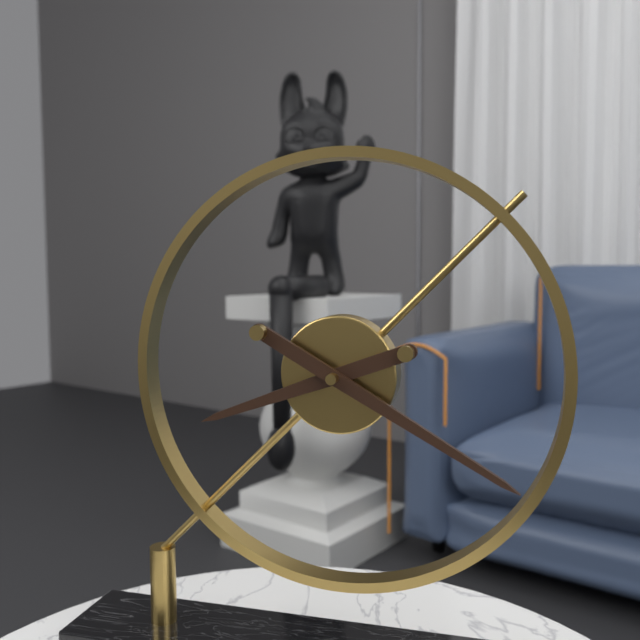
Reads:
8h20
